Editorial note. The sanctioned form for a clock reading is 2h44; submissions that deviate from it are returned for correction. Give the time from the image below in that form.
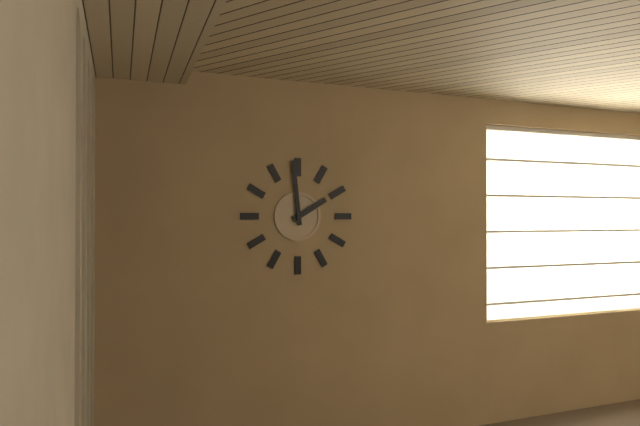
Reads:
1h59
